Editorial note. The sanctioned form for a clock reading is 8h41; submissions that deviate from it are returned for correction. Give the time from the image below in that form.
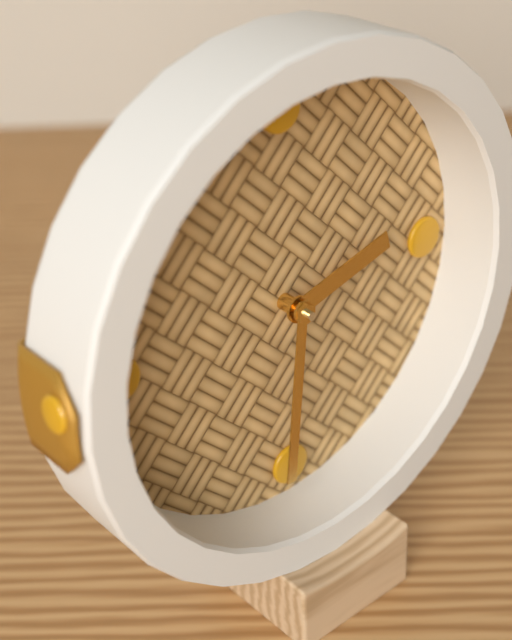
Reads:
2h31
